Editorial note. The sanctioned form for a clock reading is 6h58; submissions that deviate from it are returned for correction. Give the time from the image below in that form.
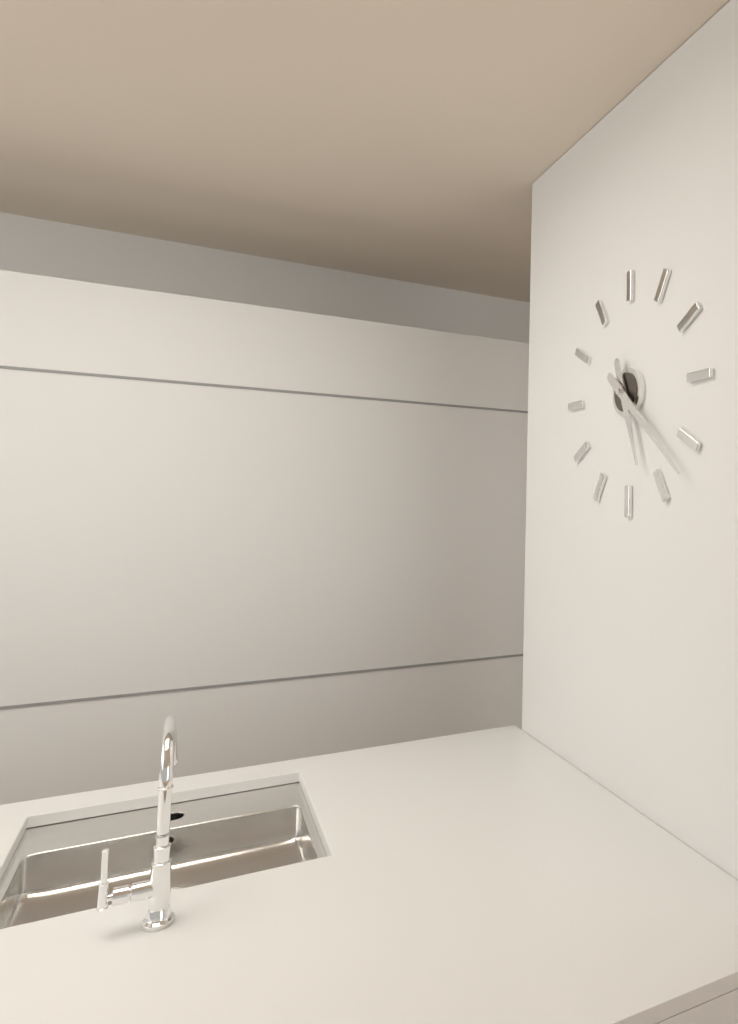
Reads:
5h22
